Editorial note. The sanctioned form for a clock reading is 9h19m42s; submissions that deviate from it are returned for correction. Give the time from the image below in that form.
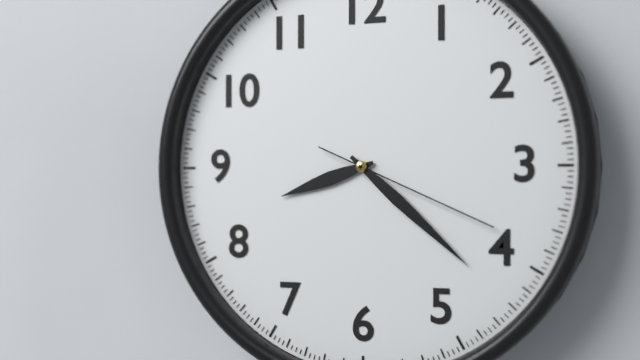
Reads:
8h22m19s
